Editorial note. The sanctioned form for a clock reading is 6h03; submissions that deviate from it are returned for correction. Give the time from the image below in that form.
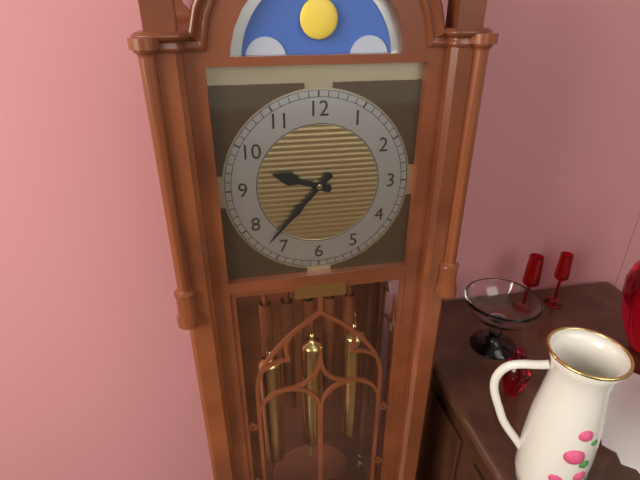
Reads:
9h37
